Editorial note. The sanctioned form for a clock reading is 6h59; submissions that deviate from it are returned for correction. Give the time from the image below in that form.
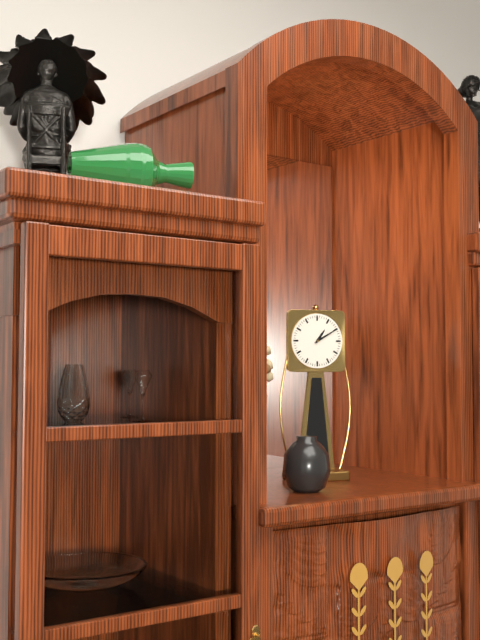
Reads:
1h10
